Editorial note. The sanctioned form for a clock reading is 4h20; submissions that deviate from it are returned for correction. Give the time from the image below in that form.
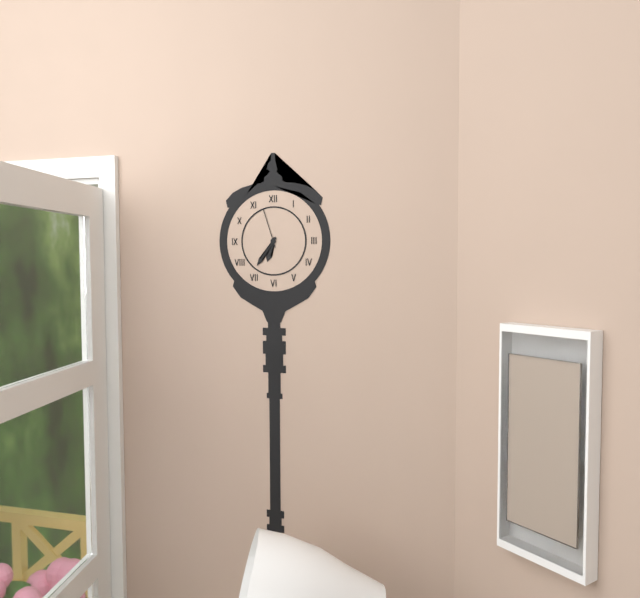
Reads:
6h36
